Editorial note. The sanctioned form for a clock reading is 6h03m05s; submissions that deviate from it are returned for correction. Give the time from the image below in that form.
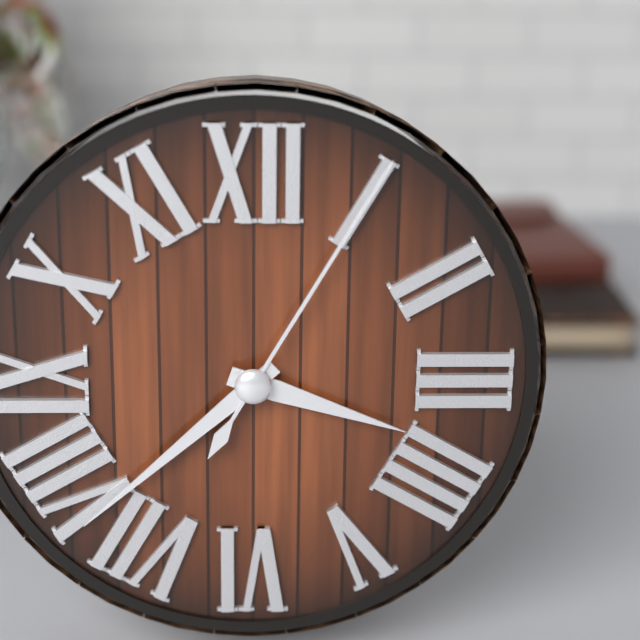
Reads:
3h38m05s
